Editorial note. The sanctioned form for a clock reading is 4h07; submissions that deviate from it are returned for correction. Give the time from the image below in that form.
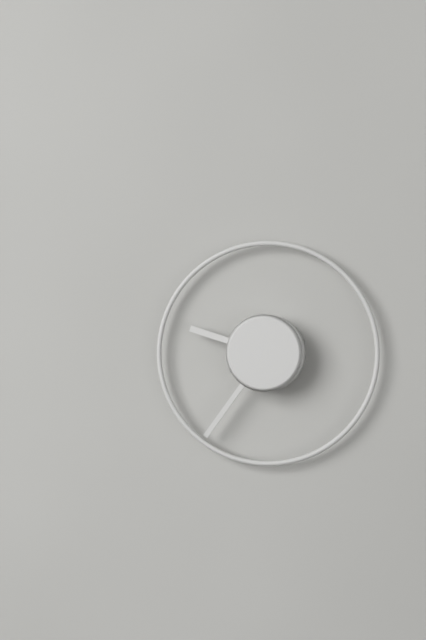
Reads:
9h36
